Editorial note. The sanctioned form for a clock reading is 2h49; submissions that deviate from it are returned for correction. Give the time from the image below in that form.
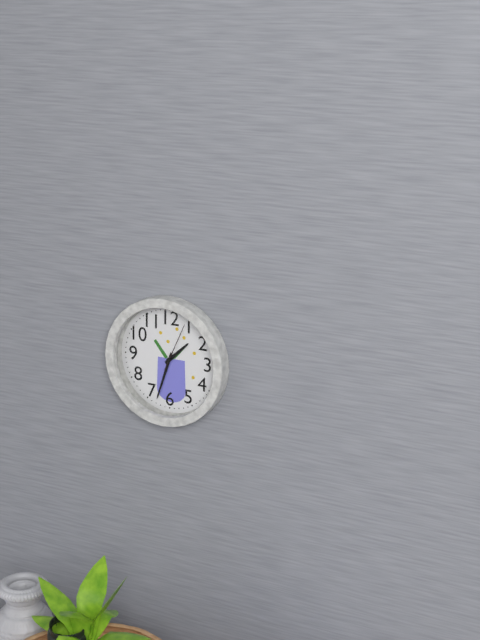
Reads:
1h33
